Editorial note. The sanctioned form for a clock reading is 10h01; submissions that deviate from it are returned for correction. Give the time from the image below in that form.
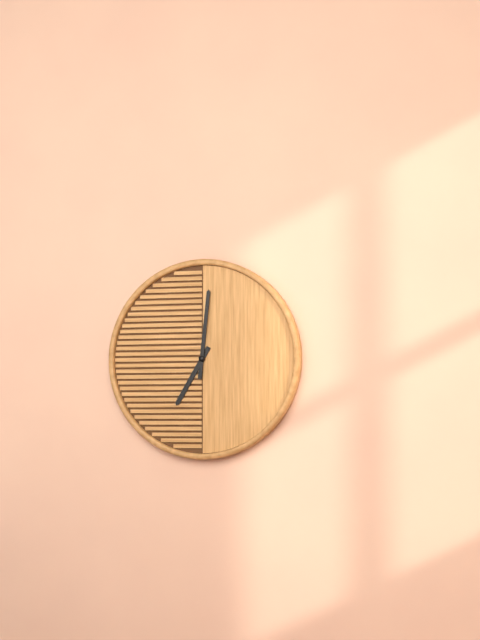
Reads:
7h01
